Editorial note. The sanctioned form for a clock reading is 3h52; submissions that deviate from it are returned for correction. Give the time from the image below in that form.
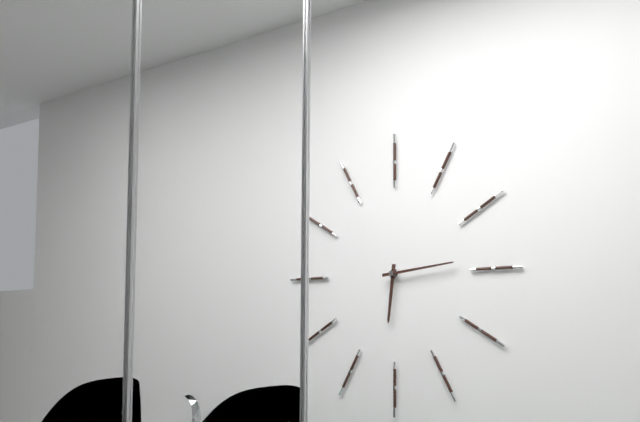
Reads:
6h14
